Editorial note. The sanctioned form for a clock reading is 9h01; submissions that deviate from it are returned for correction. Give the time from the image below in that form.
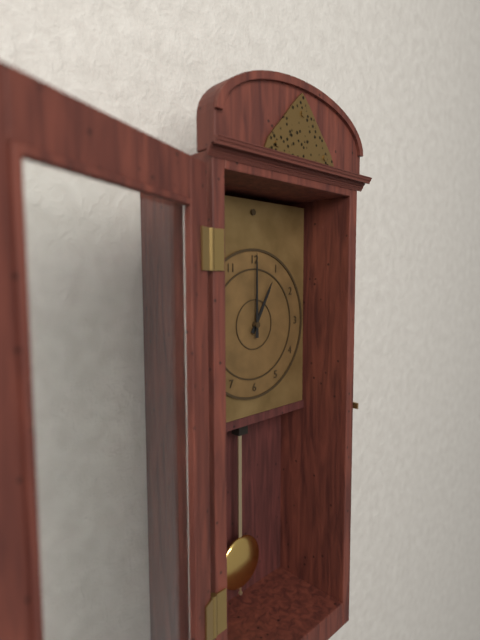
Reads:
1h00
